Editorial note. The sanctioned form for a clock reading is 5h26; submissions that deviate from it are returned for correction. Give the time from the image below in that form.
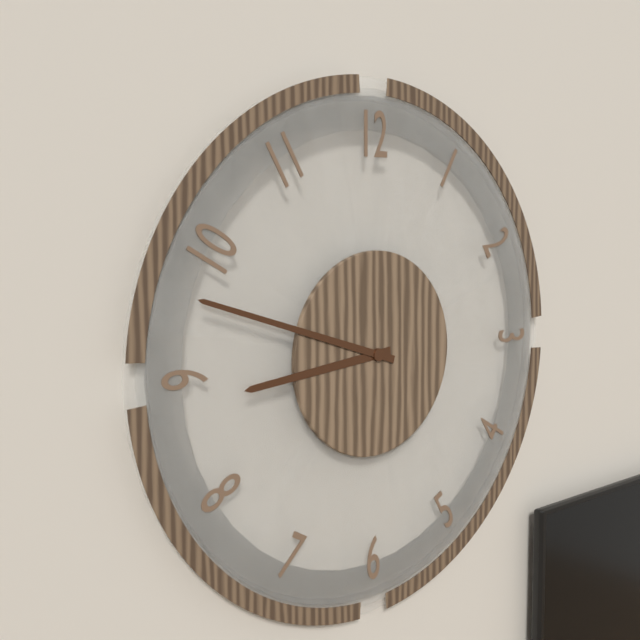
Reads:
8h48
